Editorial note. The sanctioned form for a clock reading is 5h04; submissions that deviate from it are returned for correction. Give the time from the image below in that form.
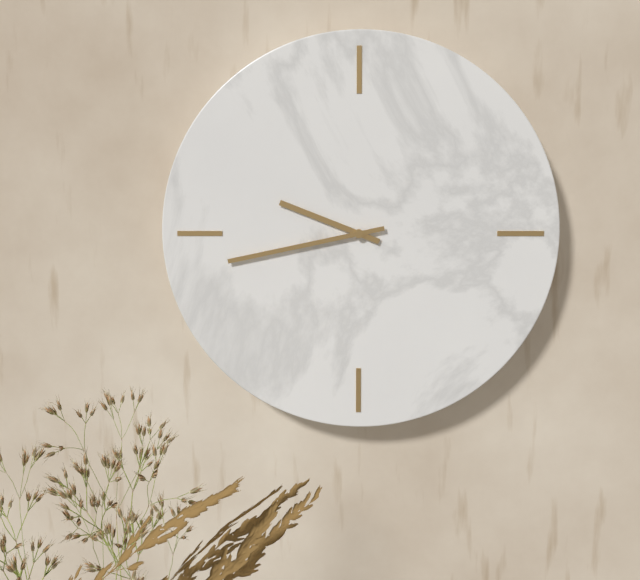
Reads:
9h43
